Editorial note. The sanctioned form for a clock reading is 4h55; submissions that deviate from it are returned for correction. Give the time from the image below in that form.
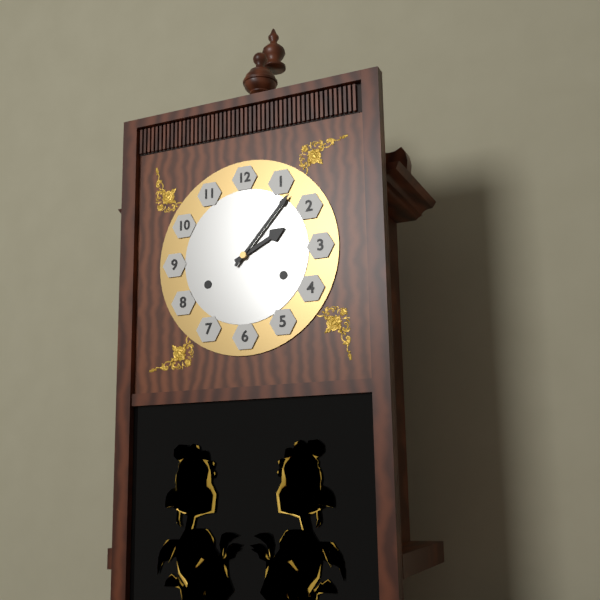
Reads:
2h07
